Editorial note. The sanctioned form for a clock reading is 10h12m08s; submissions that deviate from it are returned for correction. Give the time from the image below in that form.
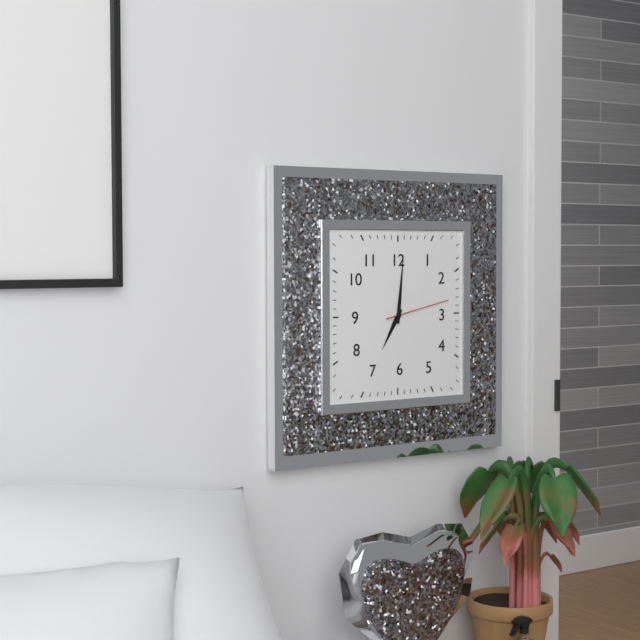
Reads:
7h01m13s
